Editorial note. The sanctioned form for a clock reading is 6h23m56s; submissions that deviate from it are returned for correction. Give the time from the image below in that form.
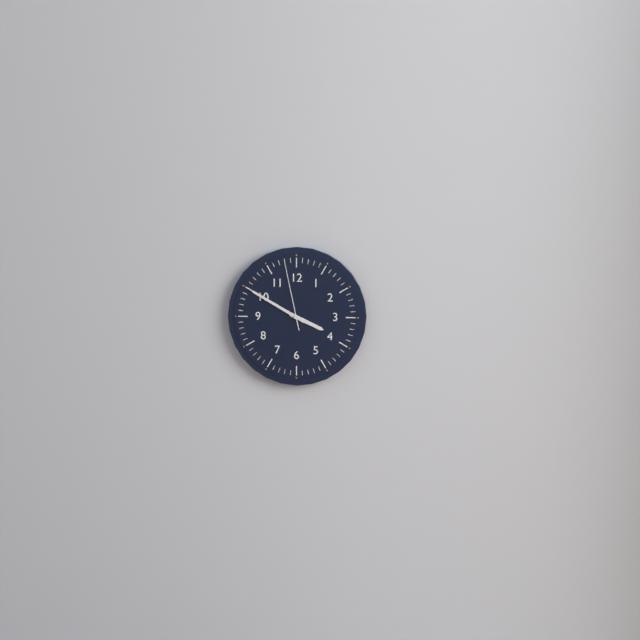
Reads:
3h50m58s
